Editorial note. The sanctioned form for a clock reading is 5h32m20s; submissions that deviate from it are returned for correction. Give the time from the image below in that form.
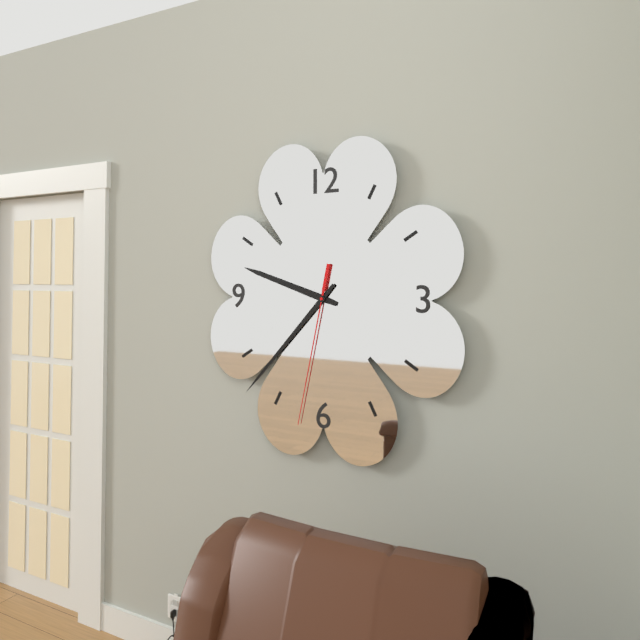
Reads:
9h37m32s
